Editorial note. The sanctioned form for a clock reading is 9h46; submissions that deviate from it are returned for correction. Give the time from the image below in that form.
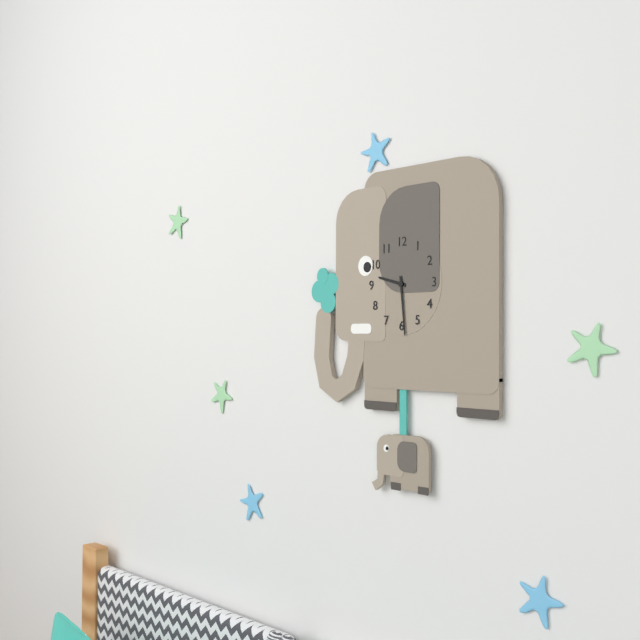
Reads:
9h29
